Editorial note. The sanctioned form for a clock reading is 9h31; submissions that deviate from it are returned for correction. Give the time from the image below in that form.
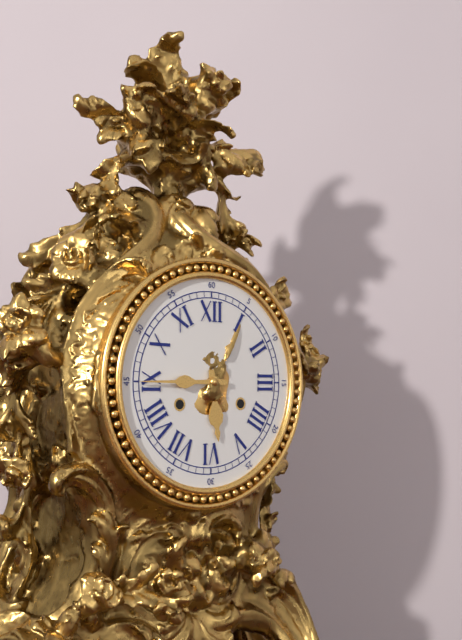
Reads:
5h45
